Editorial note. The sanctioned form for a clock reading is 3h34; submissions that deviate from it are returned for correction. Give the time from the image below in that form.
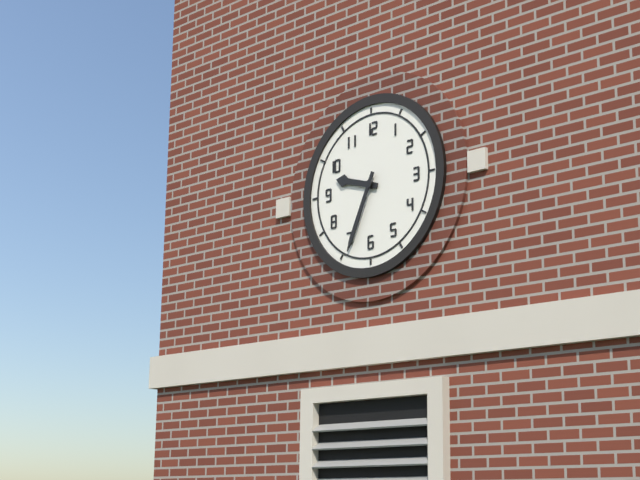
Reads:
9h34
